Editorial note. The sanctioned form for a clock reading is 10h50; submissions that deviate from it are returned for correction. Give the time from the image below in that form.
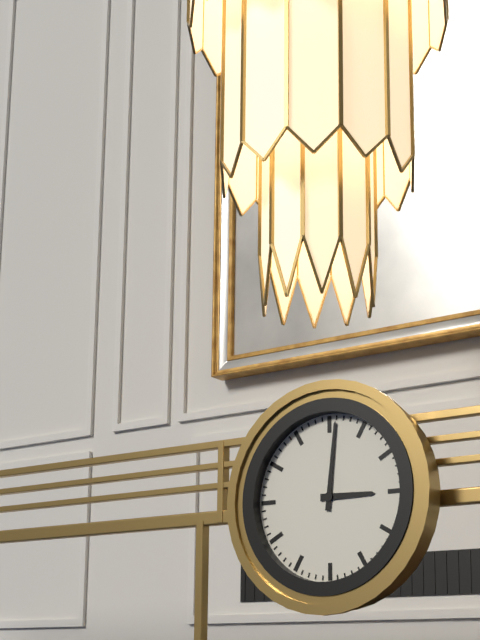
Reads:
3h01
